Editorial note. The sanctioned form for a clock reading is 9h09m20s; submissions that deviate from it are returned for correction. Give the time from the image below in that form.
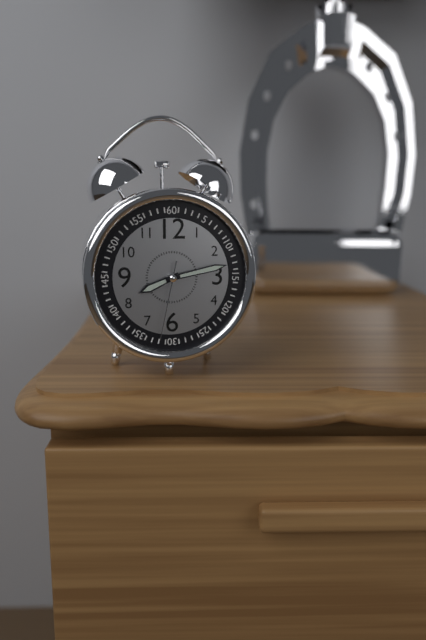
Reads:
8h13m32s
